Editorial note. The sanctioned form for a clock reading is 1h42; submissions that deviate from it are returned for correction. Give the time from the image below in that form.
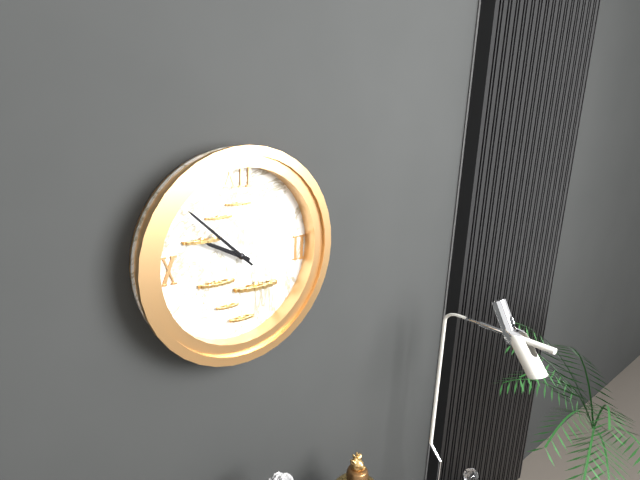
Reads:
9h52
